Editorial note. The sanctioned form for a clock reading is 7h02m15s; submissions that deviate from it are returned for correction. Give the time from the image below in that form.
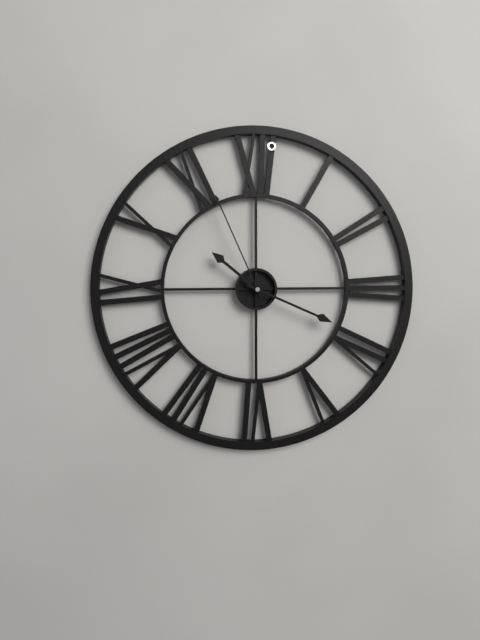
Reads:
10h19m56s
